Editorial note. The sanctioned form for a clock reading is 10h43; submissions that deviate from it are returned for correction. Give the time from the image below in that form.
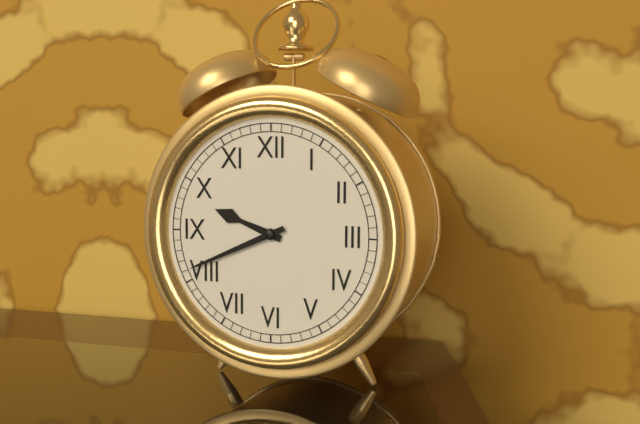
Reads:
9h41
